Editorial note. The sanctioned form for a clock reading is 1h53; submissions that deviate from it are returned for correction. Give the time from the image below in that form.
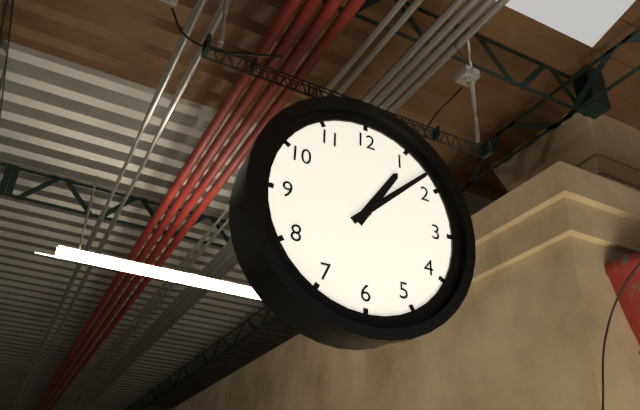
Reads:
1h08
